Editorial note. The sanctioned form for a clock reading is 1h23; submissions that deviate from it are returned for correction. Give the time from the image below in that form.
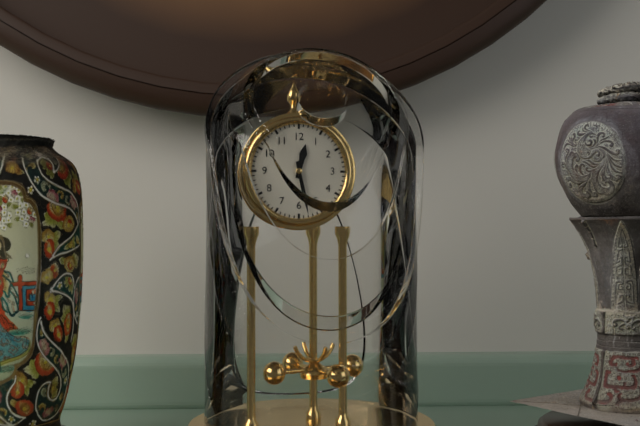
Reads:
12h28
